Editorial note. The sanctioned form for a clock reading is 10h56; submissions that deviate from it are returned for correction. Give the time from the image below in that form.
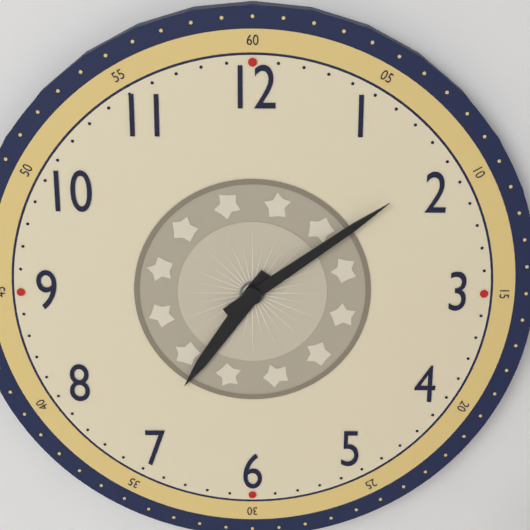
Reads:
7h09
